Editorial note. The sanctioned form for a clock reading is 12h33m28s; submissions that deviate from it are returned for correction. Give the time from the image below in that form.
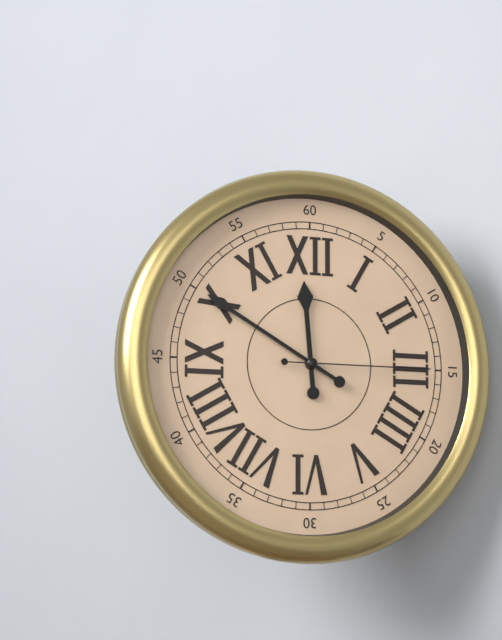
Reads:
11h50m15s
